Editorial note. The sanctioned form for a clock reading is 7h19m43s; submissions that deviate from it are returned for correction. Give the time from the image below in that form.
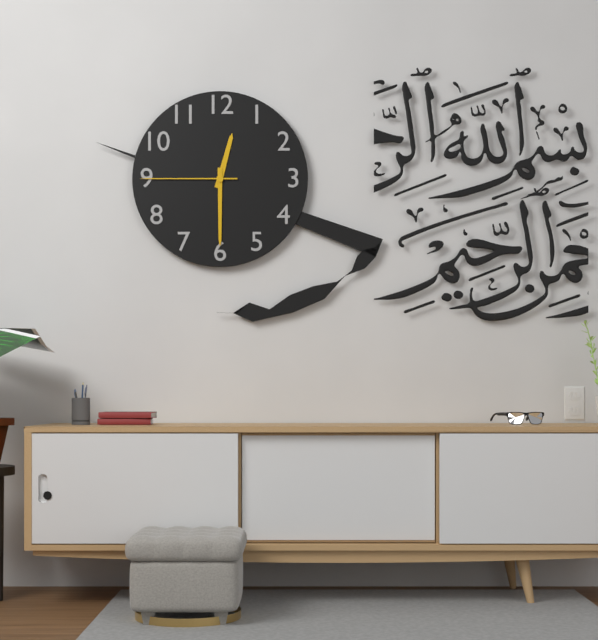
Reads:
12h30m45s
